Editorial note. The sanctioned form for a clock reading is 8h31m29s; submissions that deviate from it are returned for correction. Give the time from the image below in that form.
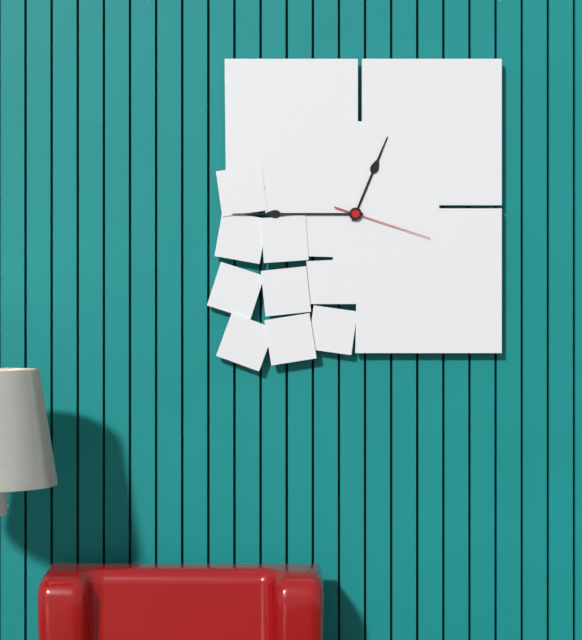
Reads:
12h45m18s
